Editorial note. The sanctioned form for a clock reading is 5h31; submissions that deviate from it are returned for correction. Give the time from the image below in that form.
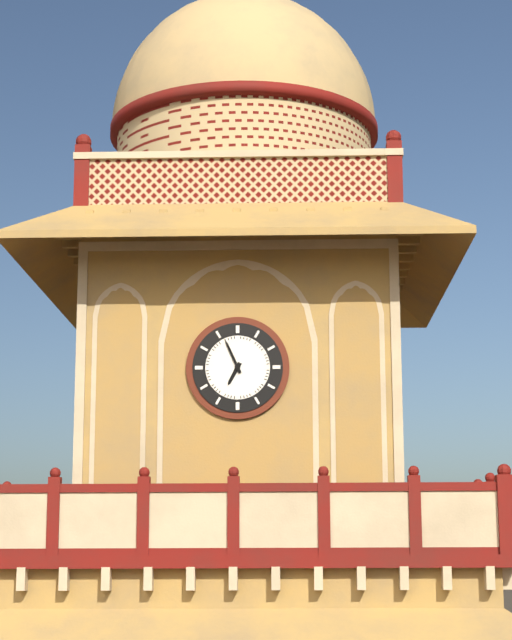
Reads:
6h56
